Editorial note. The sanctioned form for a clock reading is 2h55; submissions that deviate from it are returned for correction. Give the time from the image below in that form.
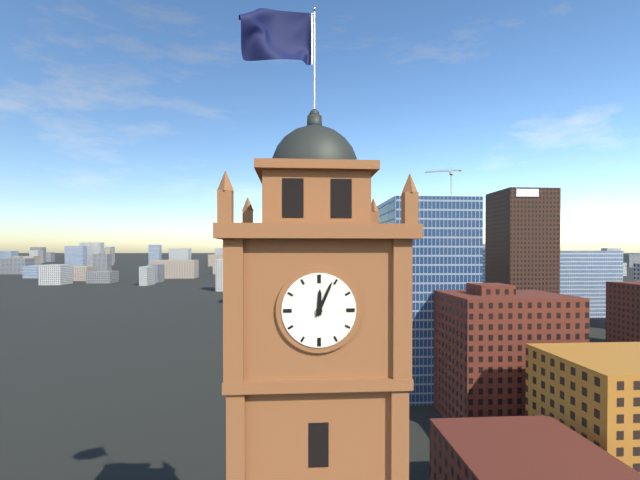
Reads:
12h04
